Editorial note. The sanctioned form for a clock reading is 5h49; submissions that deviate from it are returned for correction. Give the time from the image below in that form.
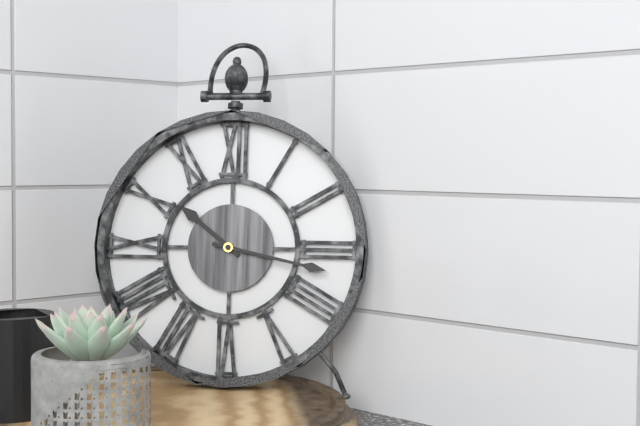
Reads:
10h17
